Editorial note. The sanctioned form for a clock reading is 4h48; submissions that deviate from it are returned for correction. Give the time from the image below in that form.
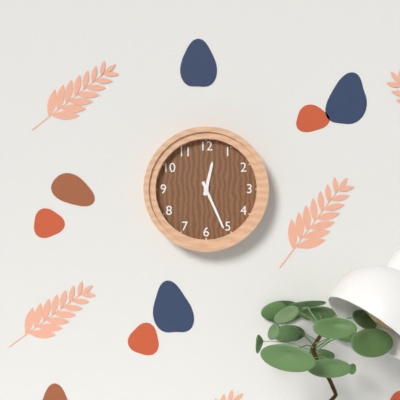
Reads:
12h26
